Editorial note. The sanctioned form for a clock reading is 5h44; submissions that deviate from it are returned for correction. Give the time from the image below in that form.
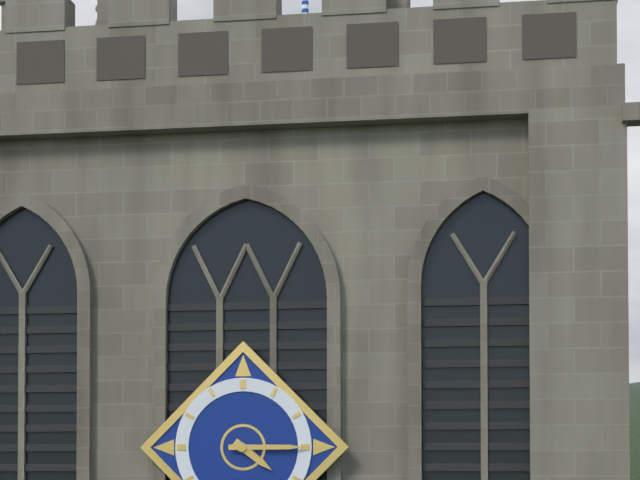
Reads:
4h15
